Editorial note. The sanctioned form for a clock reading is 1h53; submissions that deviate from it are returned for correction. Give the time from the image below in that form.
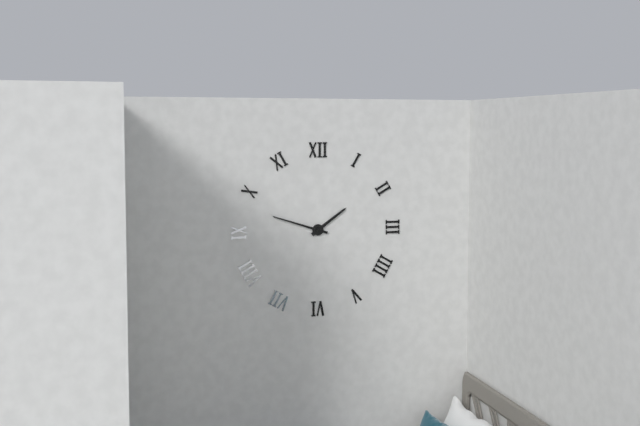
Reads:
1h48
